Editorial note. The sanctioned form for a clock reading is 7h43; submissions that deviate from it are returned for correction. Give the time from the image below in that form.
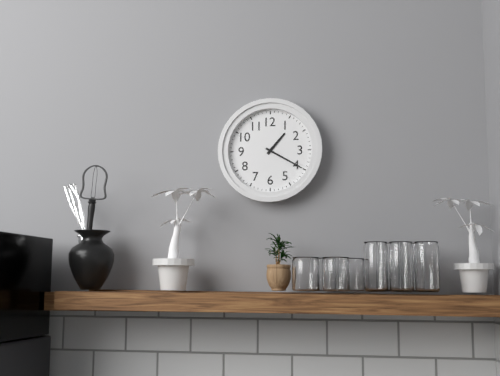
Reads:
1h20
